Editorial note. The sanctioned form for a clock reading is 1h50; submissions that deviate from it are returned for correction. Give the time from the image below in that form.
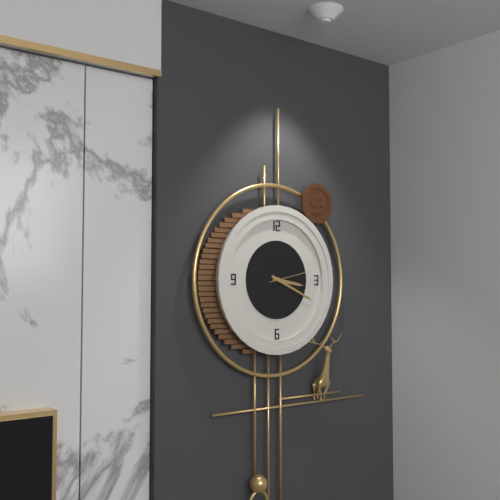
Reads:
3h19
